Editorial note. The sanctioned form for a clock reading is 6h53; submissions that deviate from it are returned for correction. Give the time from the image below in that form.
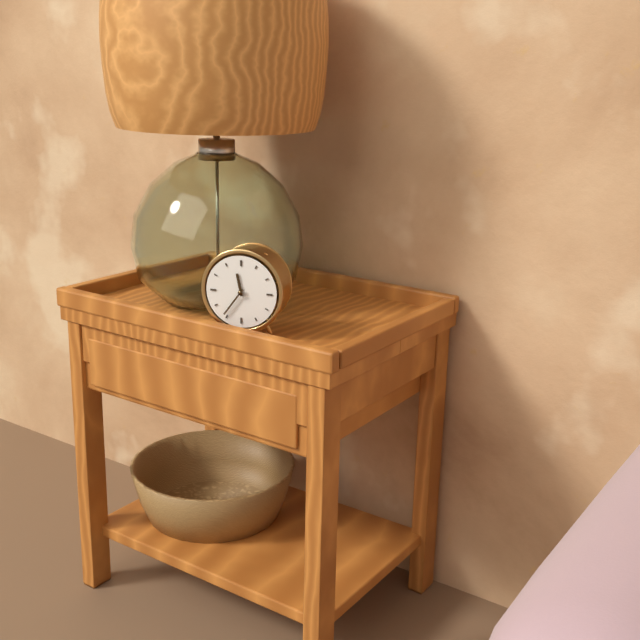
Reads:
11h36
